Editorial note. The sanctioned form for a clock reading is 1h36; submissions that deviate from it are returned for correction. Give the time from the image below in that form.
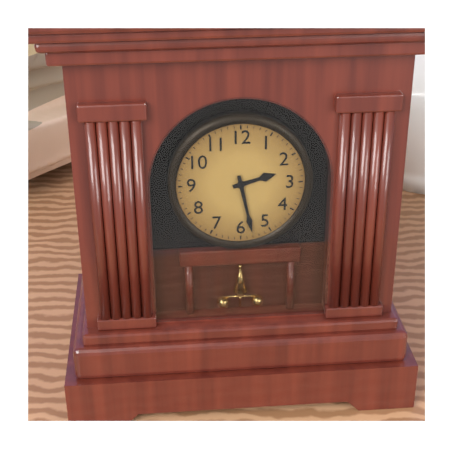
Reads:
2h28
